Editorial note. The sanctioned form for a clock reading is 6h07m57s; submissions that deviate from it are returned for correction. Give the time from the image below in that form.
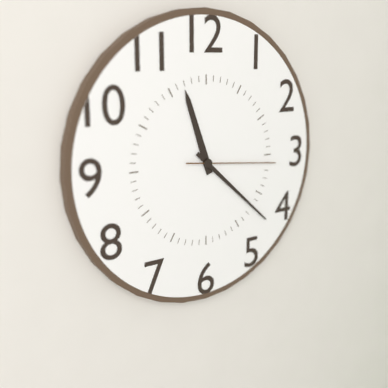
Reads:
11h22m16s
